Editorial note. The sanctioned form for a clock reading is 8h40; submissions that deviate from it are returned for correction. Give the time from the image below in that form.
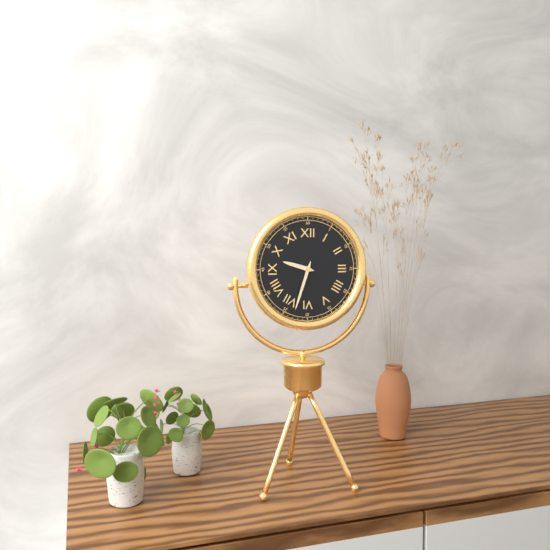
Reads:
9h33
